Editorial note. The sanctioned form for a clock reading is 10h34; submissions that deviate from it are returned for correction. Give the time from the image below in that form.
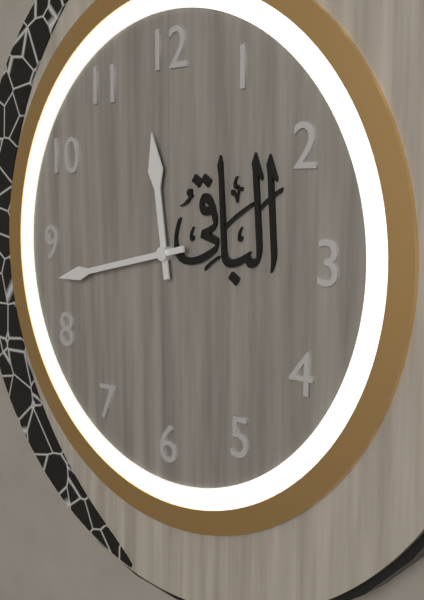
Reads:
11h43
